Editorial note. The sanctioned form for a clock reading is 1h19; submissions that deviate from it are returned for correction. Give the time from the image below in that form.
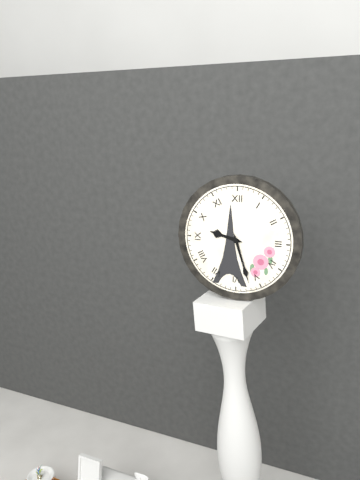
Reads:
9h27
